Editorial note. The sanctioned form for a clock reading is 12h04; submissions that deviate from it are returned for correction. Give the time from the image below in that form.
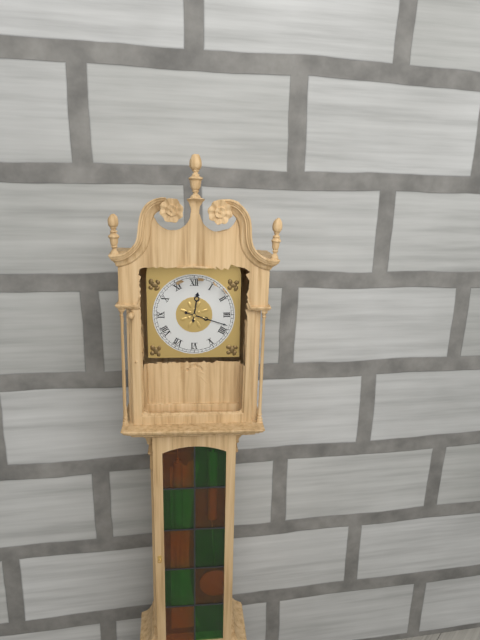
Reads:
12h18
